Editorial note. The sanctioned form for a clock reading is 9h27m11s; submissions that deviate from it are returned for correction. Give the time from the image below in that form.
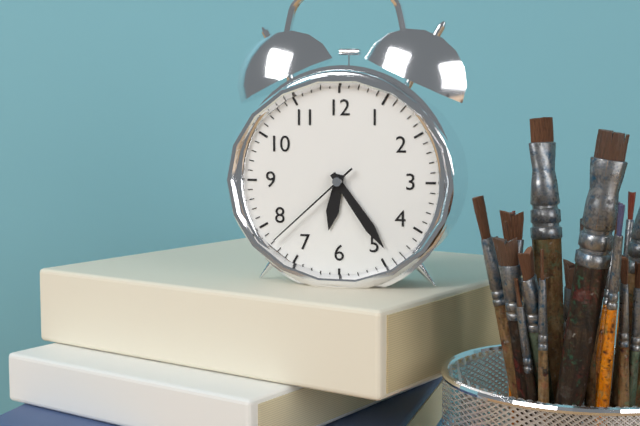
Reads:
6h24m38s
